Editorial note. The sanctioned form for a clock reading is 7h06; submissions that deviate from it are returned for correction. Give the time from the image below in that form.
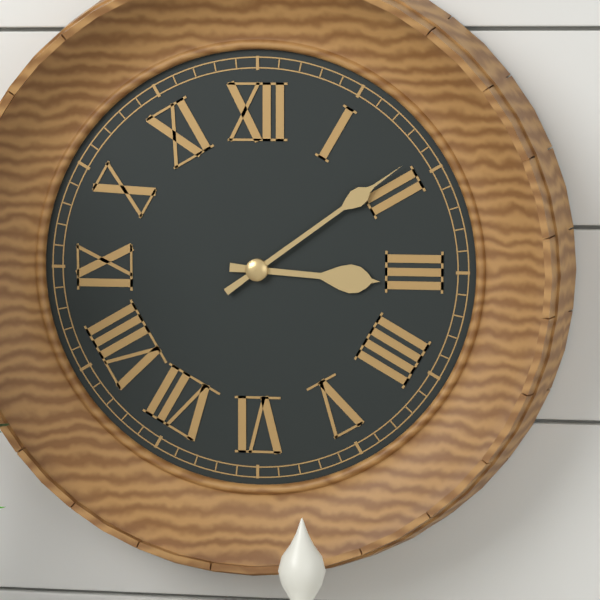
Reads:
3h09
